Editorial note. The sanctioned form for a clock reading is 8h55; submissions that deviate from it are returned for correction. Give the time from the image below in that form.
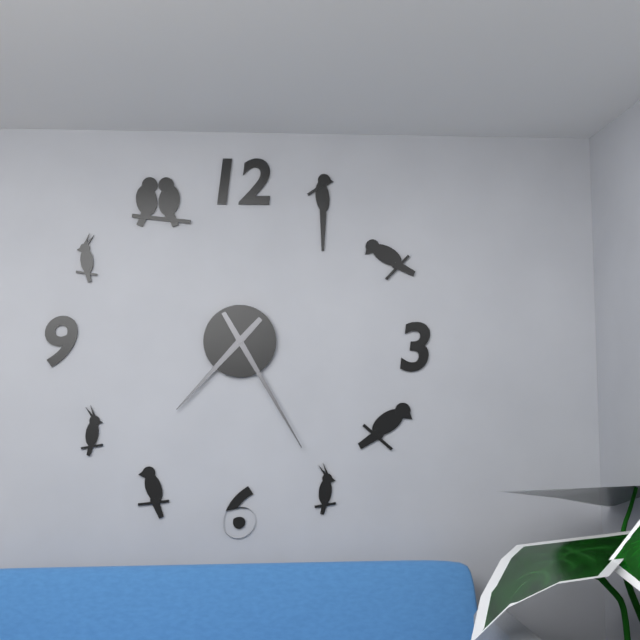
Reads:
7h25
